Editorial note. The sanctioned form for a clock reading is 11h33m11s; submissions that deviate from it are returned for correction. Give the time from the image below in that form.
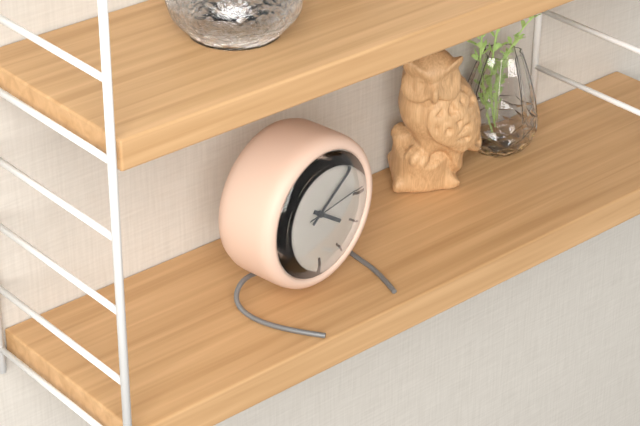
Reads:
4h09m14s
